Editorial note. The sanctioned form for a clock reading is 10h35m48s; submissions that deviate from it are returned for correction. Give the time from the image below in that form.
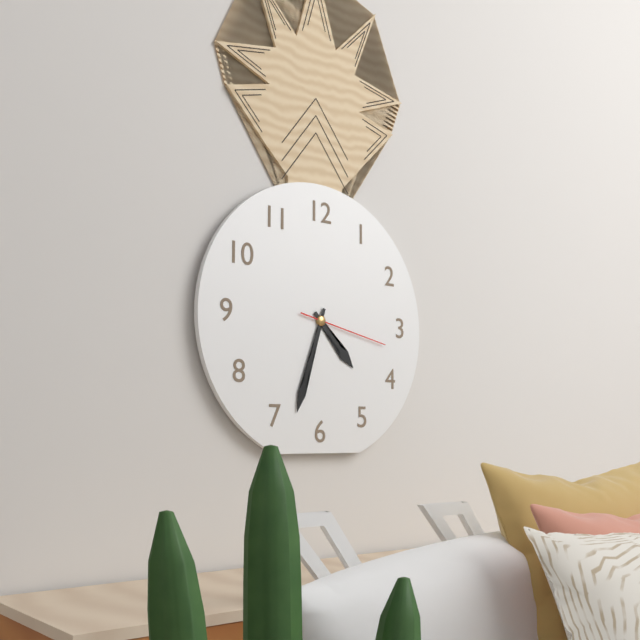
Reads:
4h33m17s
